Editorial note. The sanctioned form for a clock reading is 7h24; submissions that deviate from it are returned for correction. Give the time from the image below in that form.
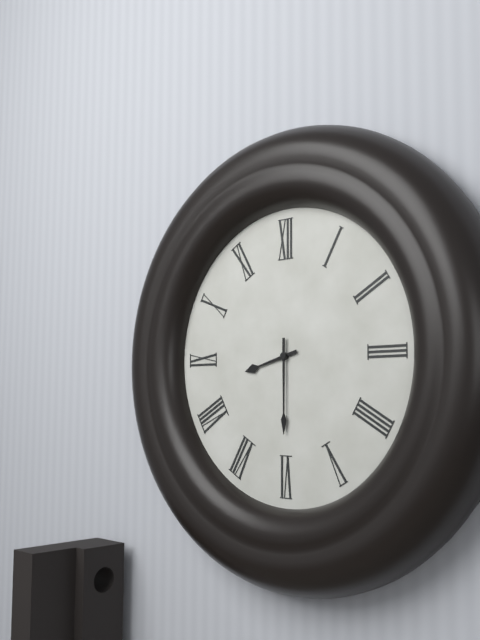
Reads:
8h30
